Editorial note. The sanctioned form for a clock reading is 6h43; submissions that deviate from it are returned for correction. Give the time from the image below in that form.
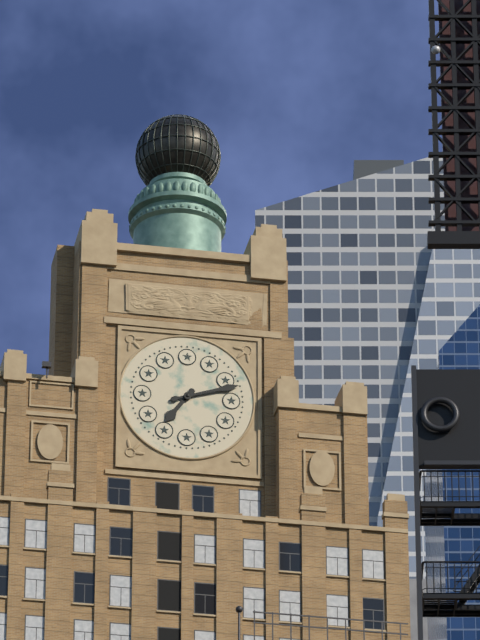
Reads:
7h12
